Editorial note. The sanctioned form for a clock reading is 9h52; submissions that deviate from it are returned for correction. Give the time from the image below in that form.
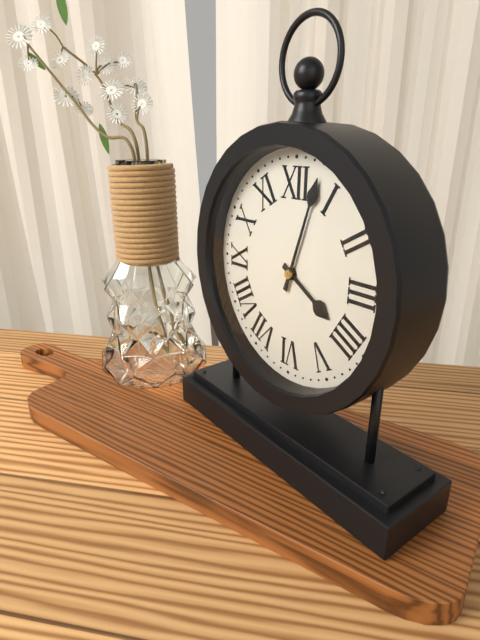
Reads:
4h03
